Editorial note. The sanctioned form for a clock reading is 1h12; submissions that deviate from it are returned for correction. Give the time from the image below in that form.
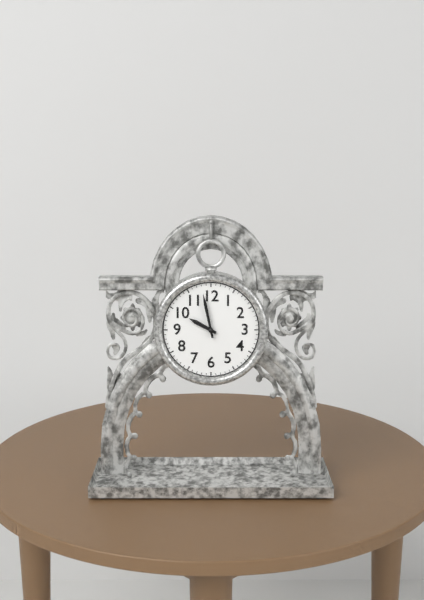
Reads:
9h58
